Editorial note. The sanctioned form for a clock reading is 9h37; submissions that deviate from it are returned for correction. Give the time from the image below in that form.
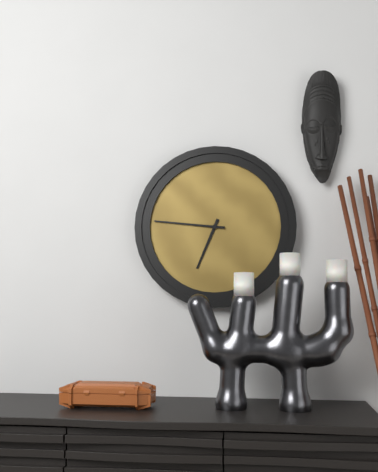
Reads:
6h46
